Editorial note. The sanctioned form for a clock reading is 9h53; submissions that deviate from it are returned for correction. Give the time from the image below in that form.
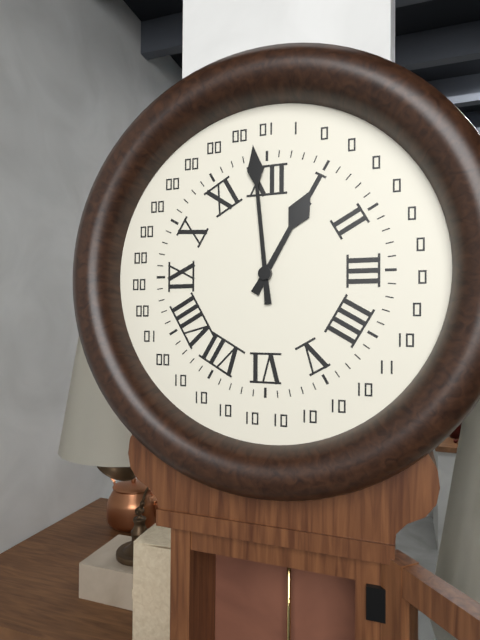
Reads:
12h59
